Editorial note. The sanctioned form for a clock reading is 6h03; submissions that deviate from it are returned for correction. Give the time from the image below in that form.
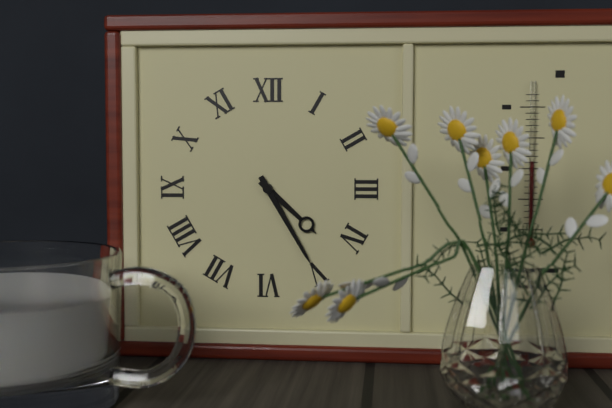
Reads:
4h25
